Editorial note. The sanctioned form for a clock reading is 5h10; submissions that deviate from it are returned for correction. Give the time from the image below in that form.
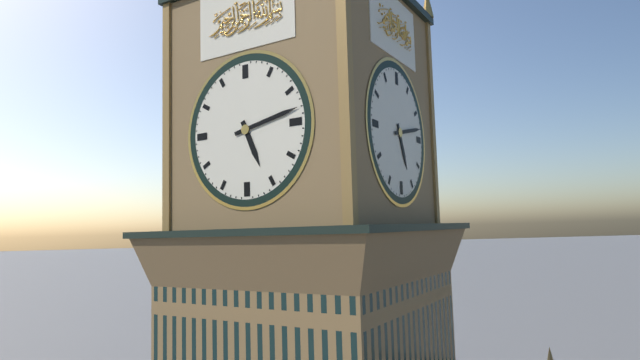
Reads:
5h13
